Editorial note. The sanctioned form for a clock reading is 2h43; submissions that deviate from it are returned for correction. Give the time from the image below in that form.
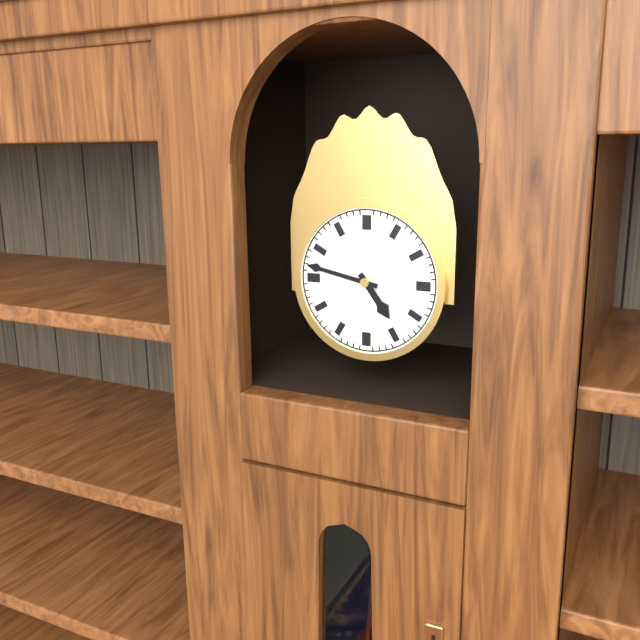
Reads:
4h47
